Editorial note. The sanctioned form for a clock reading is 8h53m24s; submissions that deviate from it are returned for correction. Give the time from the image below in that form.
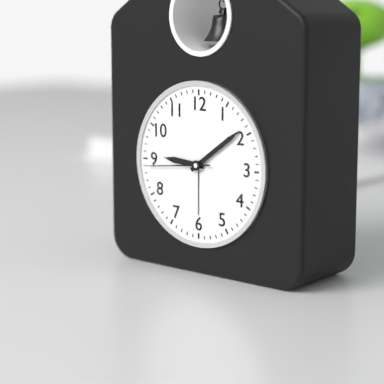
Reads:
9h09m44s
